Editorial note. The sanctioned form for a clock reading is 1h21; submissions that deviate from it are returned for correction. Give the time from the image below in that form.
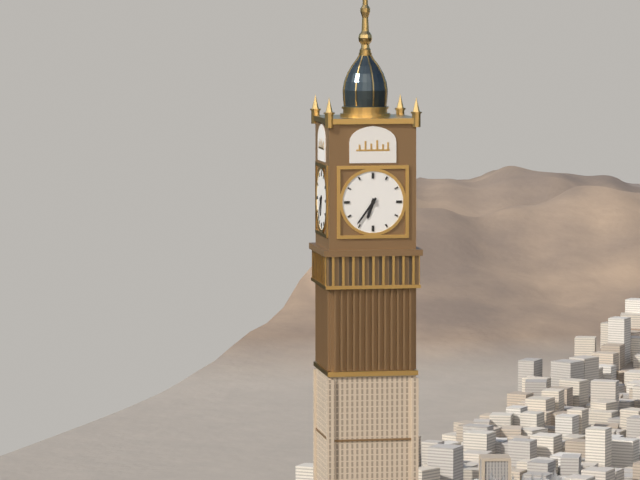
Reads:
6h36
